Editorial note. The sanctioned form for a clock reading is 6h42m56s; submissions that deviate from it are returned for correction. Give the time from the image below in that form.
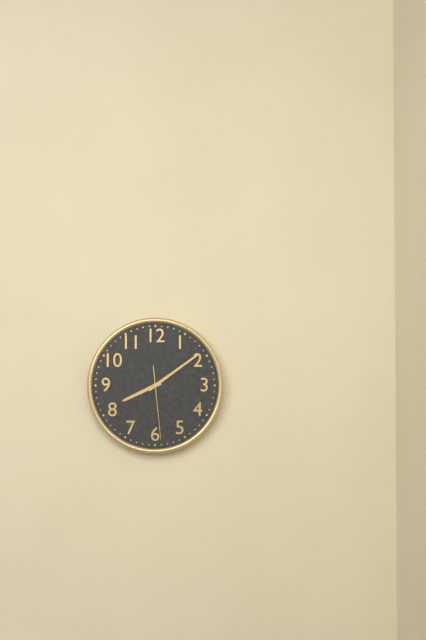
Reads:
8h09m29s
